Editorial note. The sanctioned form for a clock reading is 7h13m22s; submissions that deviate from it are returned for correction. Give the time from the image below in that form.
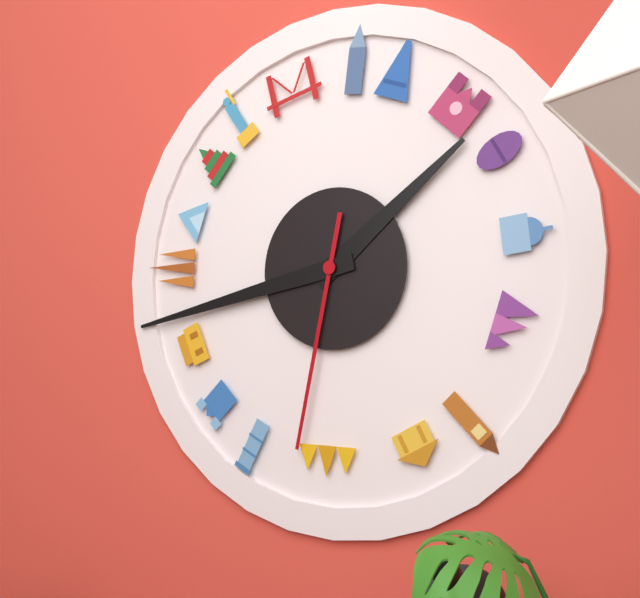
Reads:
1h43m32s
